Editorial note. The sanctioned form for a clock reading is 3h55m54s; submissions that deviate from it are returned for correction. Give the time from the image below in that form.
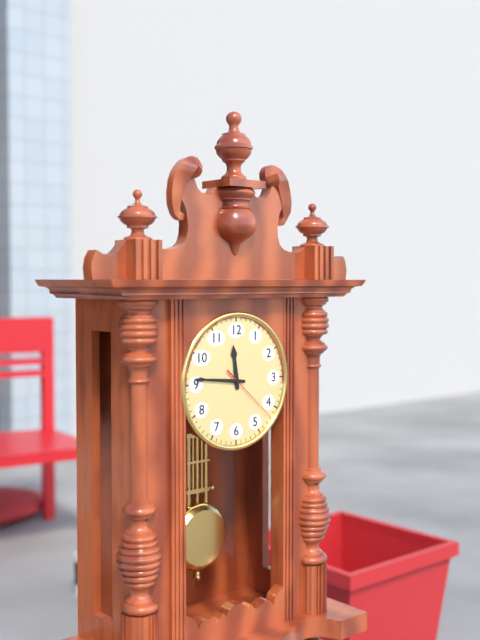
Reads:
11h46m22s
